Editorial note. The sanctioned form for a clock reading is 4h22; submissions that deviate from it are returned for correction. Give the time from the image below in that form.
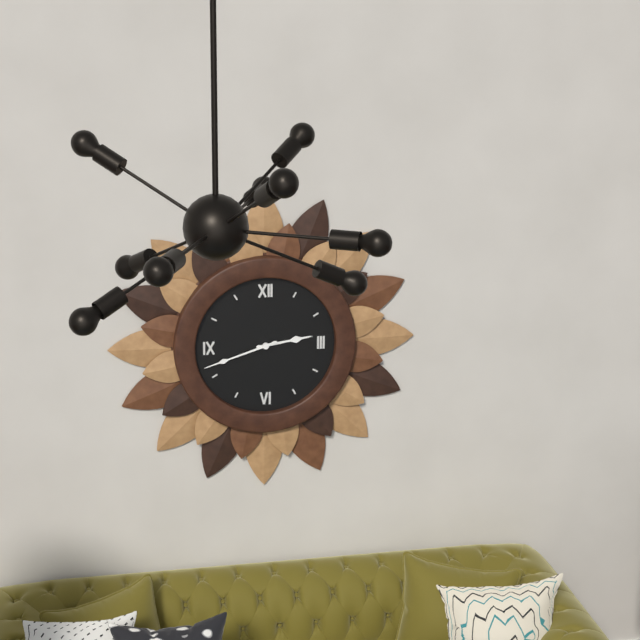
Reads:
2h42
